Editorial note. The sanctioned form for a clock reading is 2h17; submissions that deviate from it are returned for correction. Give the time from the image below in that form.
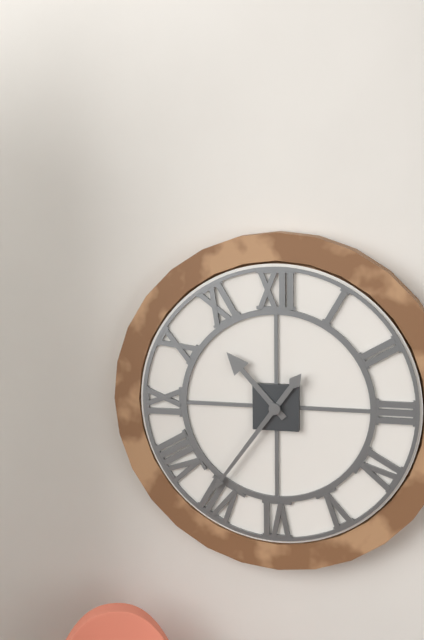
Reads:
10h36
